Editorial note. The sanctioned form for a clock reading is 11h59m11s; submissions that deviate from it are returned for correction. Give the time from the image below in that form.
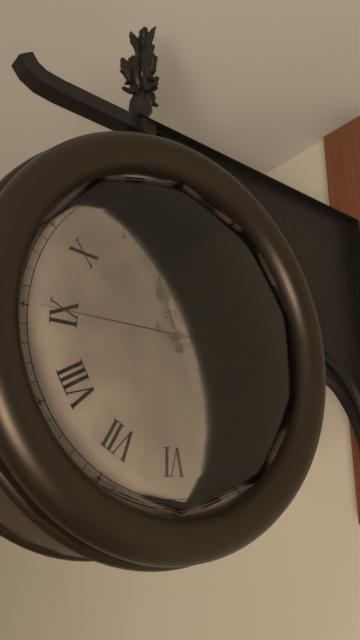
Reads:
11h19m45s
